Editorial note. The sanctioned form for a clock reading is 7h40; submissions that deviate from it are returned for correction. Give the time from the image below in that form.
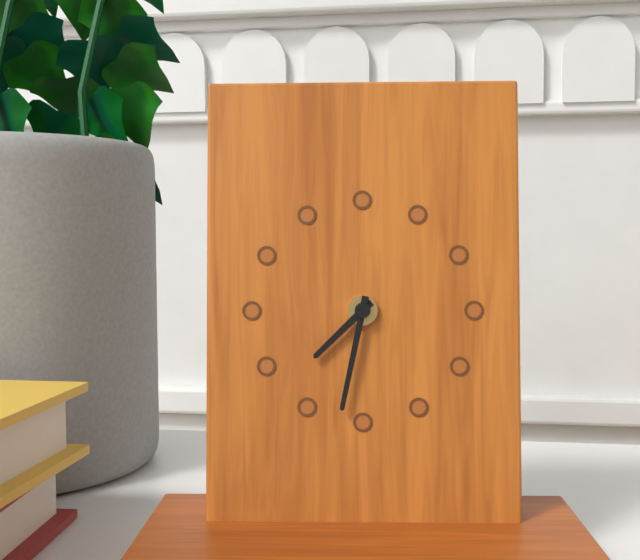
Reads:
7h32
